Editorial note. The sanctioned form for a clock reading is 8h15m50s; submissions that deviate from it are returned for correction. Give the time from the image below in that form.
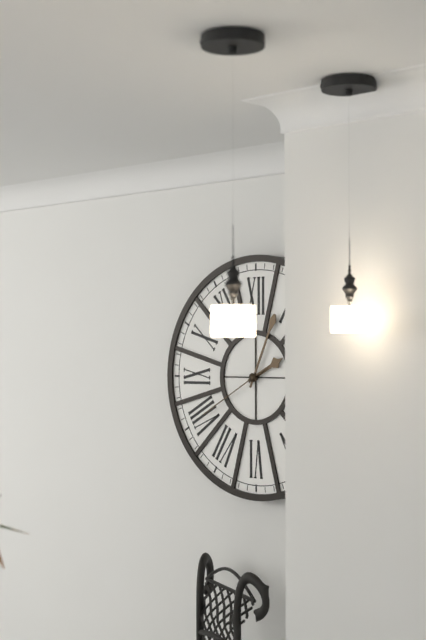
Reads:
2h04m40s
